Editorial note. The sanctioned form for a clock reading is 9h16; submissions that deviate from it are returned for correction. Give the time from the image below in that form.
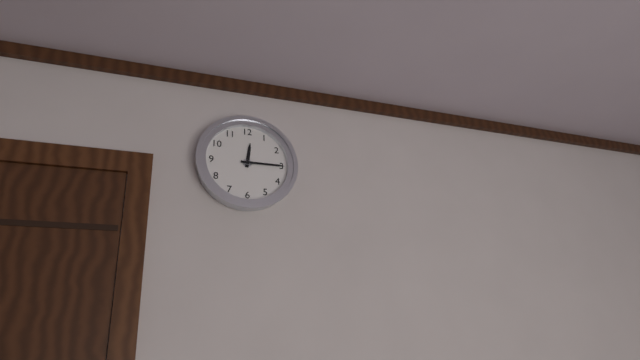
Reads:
12h15
